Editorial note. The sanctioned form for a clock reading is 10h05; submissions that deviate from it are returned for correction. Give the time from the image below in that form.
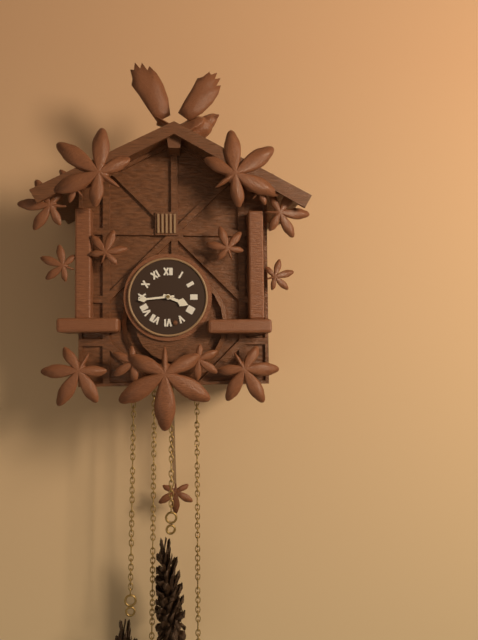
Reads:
3h44
